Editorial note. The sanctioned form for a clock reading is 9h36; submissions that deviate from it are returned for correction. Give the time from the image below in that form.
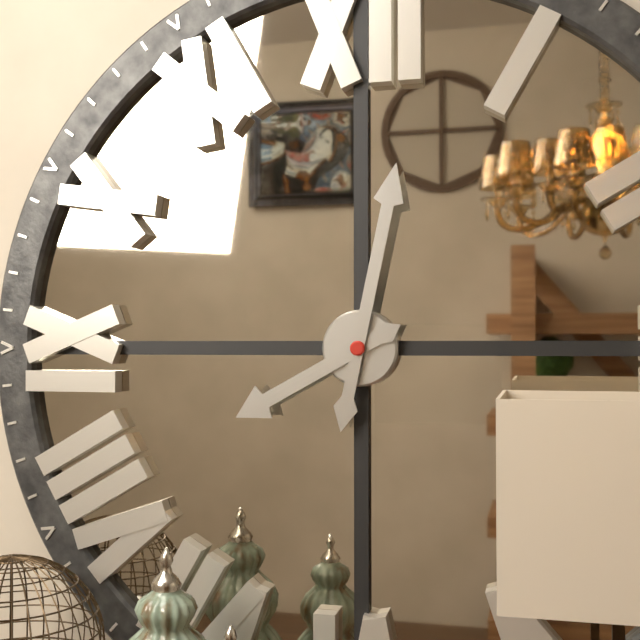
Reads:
8h02
